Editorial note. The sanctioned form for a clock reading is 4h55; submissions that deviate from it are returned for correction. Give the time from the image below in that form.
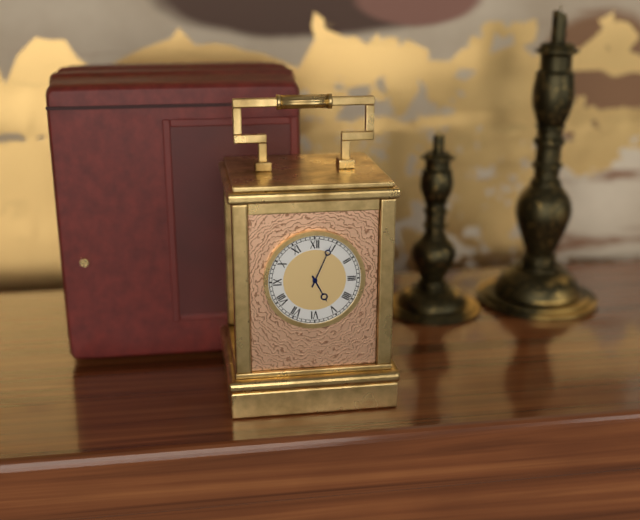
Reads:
5h04
